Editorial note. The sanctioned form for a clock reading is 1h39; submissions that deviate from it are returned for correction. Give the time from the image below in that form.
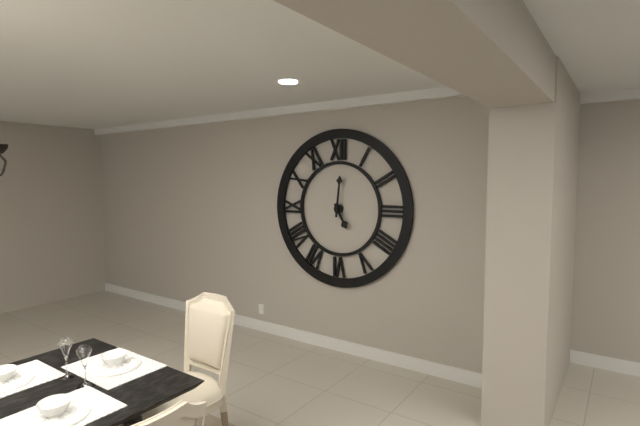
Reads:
5h01
